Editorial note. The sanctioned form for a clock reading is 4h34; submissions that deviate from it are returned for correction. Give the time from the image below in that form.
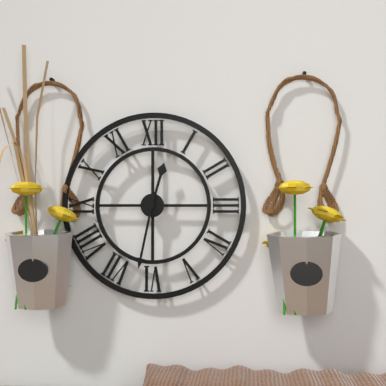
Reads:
12h32
